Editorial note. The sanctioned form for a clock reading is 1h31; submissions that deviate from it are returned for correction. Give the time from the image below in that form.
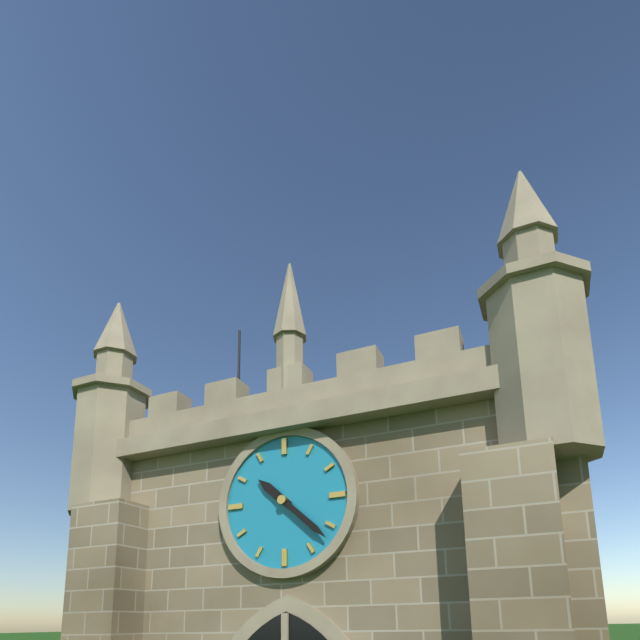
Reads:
10h22
